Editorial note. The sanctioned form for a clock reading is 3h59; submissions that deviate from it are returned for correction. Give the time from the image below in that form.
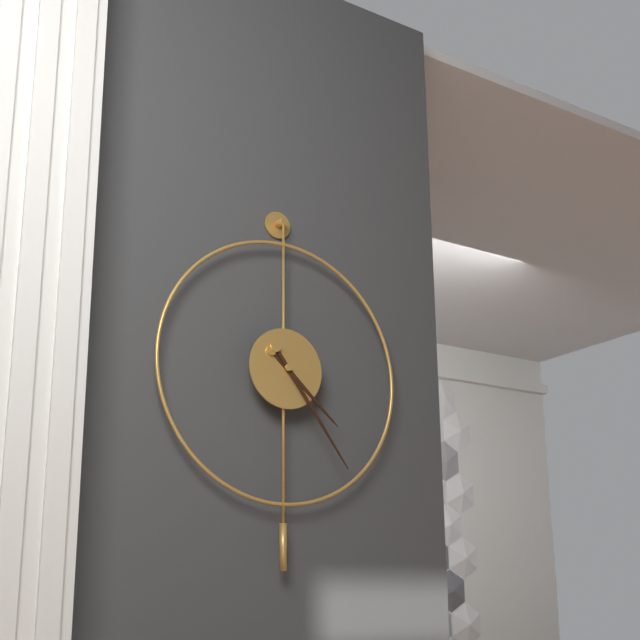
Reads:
4h24
